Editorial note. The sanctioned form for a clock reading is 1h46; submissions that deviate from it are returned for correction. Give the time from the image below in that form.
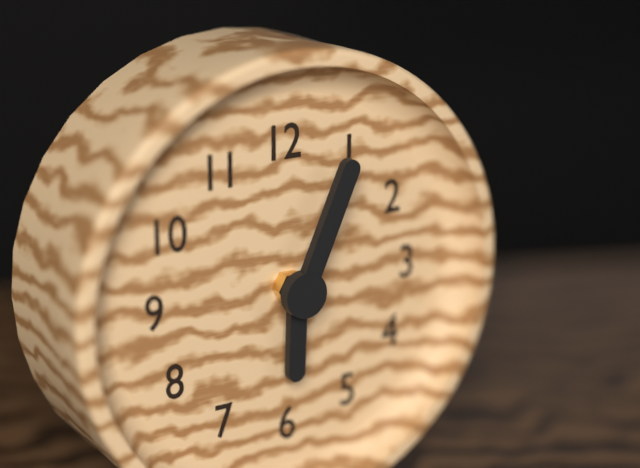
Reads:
6h04
